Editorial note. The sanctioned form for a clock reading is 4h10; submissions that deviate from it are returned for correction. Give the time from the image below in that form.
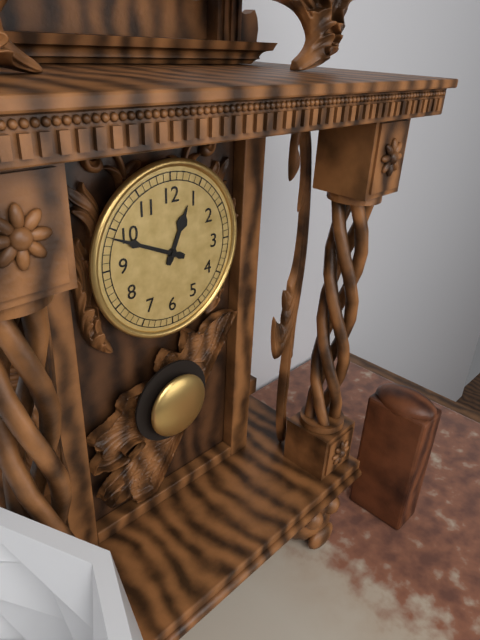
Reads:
12h49
